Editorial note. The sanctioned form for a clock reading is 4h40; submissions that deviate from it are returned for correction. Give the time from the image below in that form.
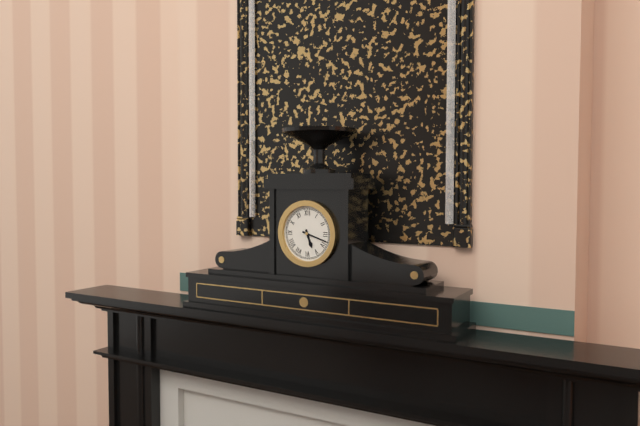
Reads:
5h18
